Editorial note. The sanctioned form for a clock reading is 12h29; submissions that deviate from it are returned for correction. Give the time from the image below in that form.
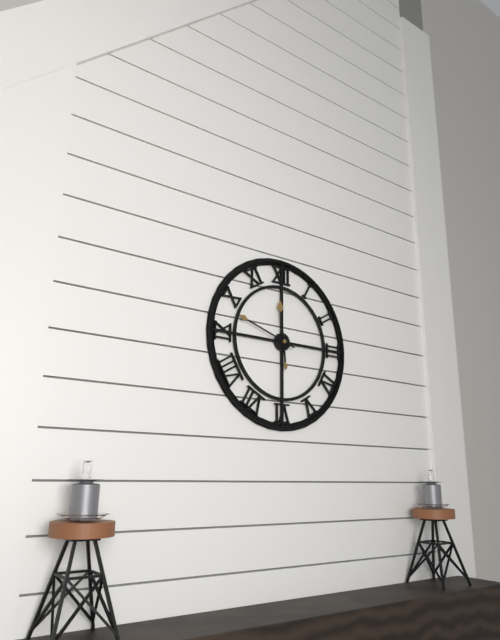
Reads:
11h48
